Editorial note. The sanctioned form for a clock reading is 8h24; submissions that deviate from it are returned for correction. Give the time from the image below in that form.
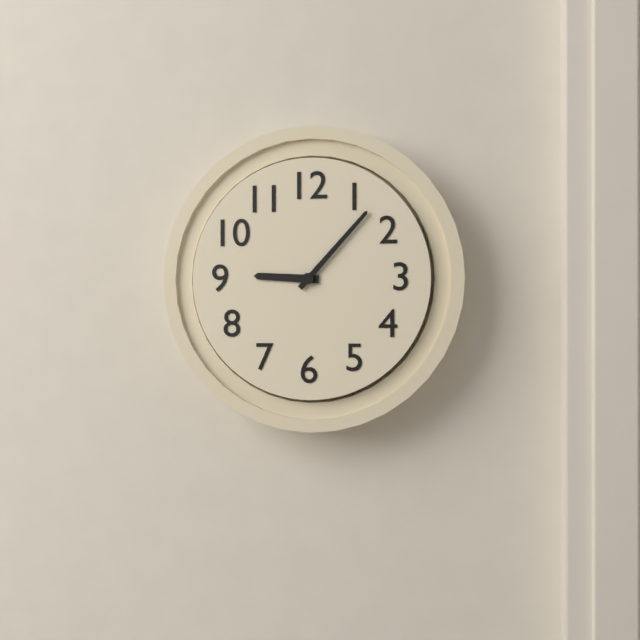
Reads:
9h07
